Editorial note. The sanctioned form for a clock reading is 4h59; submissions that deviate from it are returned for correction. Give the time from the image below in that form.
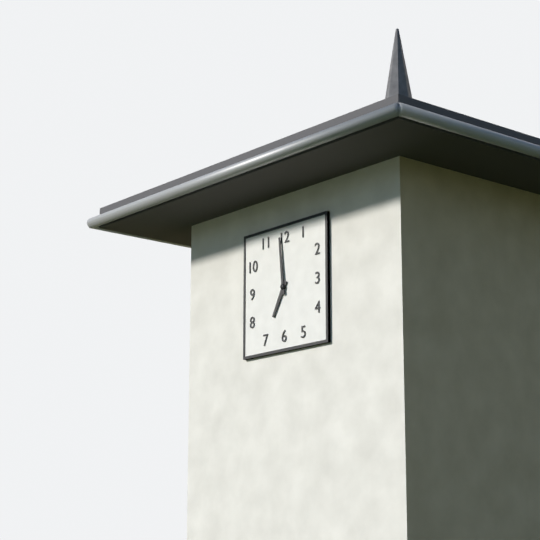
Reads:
6h59
